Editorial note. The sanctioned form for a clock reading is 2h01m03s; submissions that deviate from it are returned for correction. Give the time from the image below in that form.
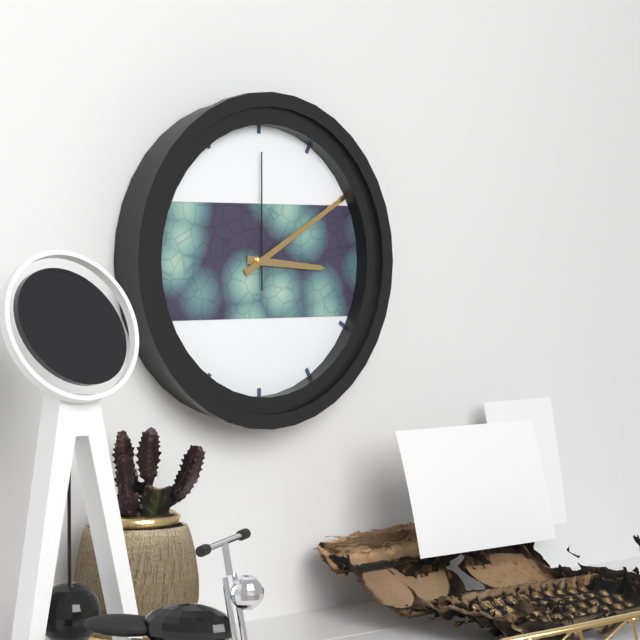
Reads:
3h10m00s
